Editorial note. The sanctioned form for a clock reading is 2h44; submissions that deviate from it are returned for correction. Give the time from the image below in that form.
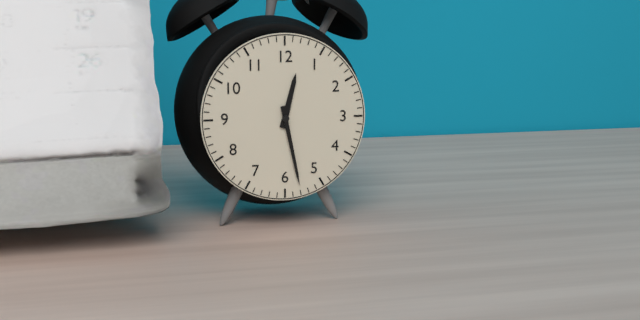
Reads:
12h28
